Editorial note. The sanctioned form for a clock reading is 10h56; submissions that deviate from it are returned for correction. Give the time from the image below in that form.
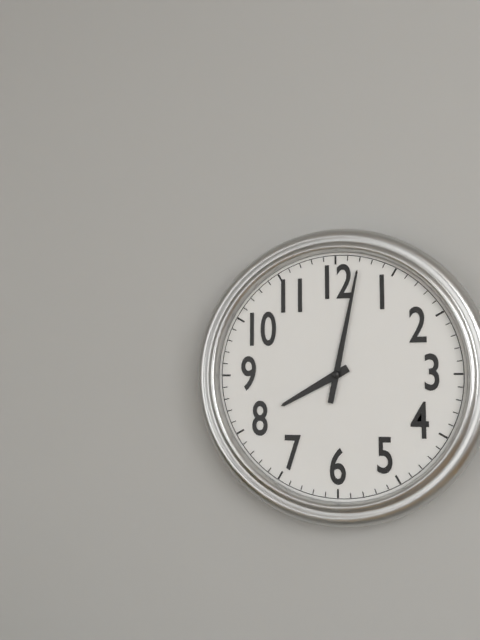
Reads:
8h02
